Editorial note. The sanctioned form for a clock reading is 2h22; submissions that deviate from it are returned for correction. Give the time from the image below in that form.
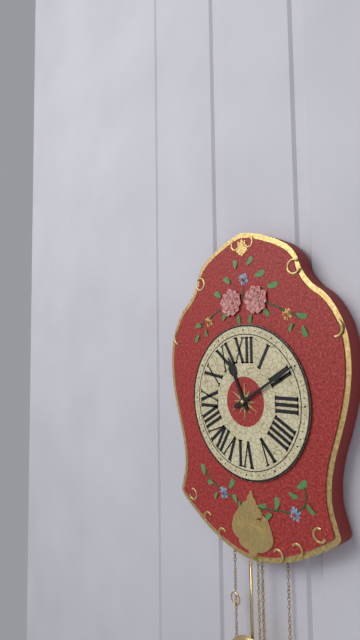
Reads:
11h10
